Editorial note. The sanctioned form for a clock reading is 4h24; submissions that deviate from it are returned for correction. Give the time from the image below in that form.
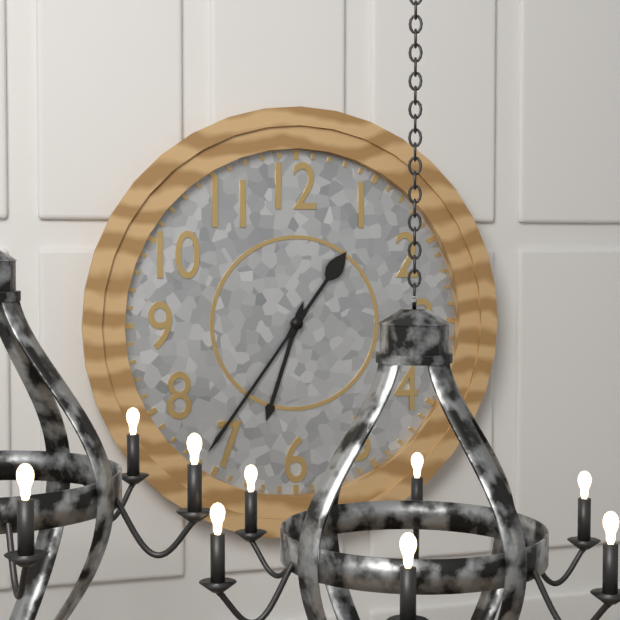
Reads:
6h36
